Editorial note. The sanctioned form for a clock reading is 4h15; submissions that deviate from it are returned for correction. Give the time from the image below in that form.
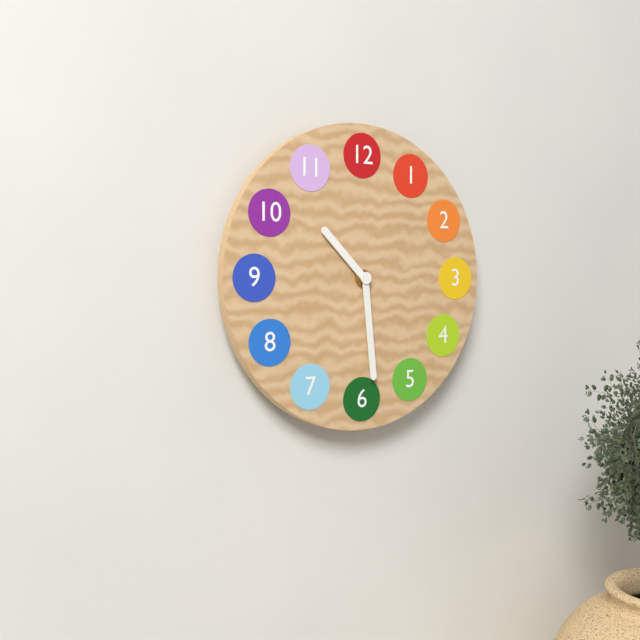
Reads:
10h29
